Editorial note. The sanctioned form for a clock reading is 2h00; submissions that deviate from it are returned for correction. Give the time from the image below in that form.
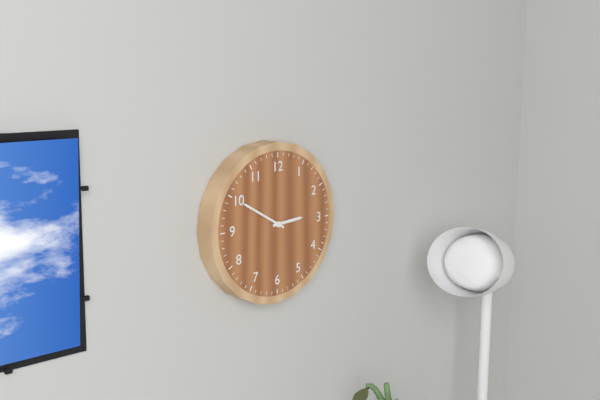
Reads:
2h50
